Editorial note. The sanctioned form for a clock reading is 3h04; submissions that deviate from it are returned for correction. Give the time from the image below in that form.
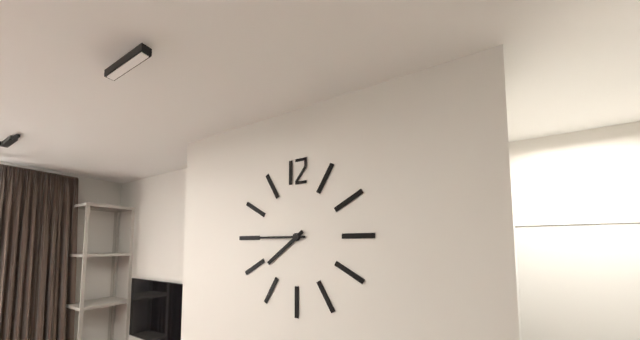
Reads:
7h45
